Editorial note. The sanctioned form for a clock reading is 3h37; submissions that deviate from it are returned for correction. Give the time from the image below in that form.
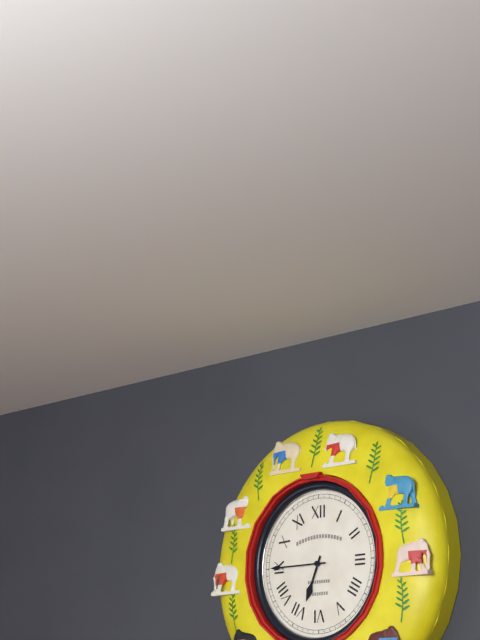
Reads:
6h45
